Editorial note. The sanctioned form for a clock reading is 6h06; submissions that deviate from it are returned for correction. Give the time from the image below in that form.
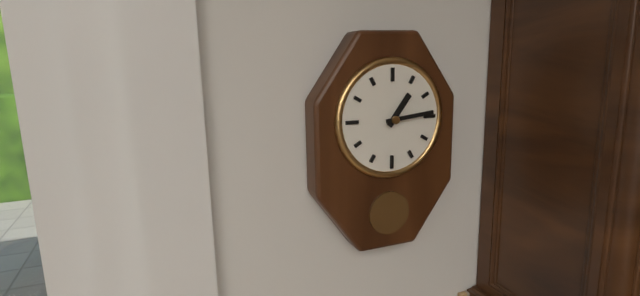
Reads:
1h14
